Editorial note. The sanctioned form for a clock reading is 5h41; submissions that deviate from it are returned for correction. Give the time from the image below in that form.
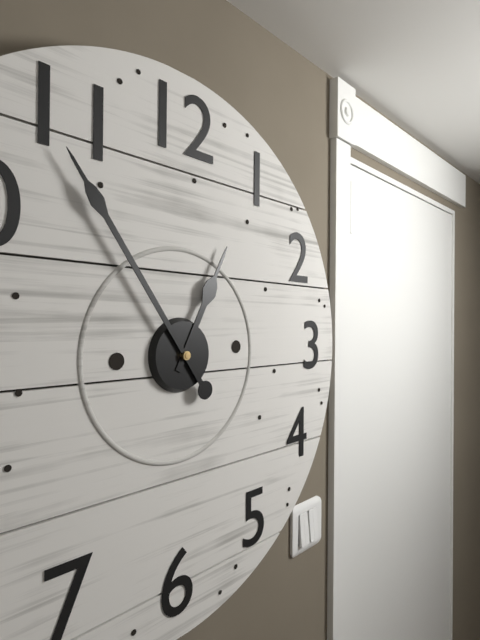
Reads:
12h54
